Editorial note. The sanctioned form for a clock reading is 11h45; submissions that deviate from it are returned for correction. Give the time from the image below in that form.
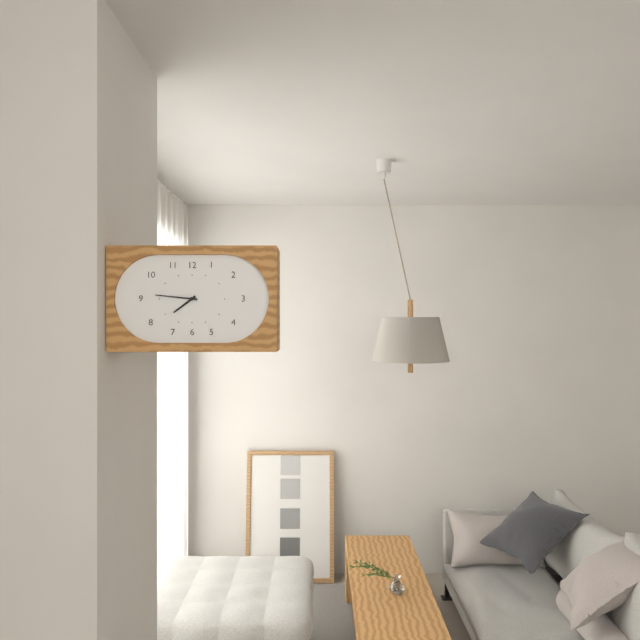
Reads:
7h46
